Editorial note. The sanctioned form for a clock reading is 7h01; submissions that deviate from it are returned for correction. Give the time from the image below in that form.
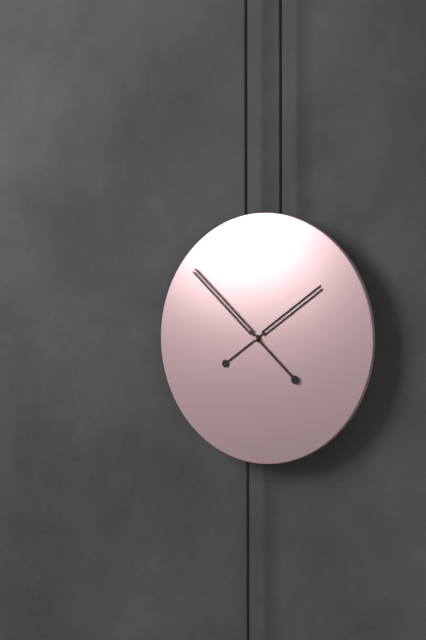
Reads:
1h52
